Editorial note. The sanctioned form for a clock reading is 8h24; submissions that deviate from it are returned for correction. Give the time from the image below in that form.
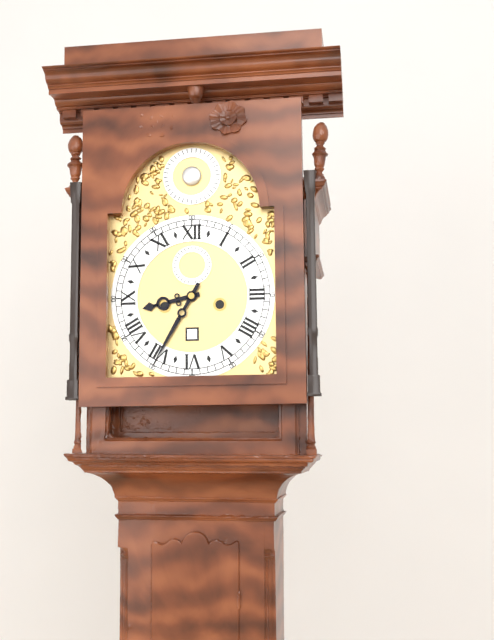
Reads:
8h35
